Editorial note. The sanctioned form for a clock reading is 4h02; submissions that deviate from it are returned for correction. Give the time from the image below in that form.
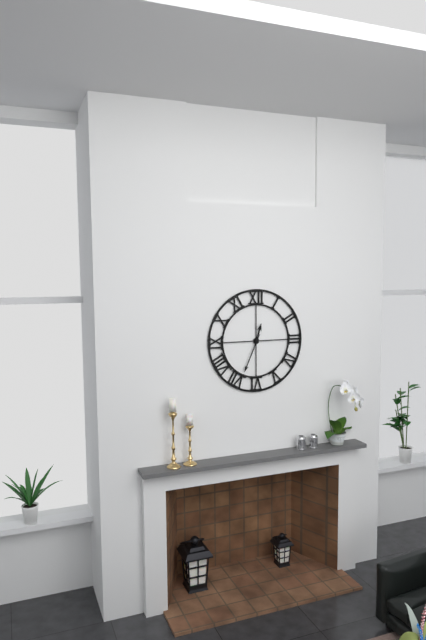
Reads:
12h34
